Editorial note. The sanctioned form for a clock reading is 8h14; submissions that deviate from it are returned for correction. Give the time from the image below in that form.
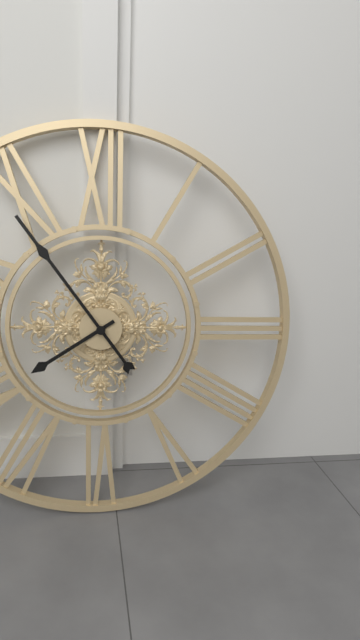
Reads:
7h54
